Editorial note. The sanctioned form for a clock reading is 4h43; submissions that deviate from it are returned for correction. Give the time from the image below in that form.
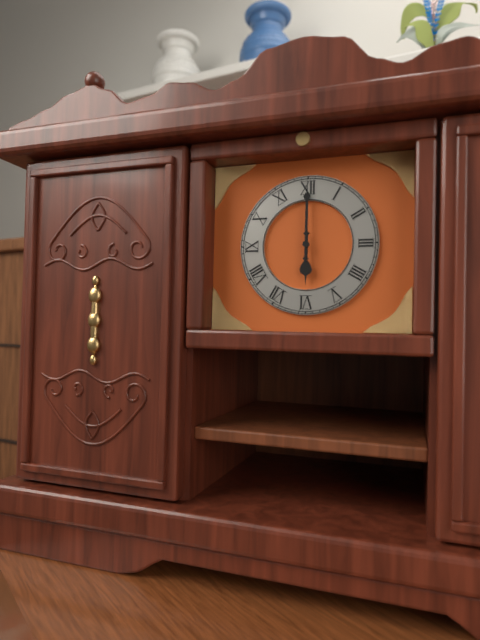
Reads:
6h00
